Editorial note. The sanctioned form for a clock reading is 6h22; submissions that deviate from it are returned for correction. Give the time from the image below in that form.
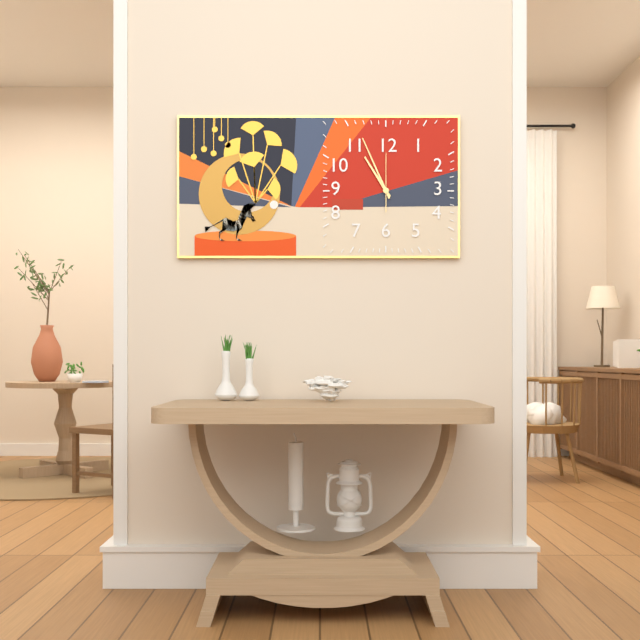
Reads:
10h56
